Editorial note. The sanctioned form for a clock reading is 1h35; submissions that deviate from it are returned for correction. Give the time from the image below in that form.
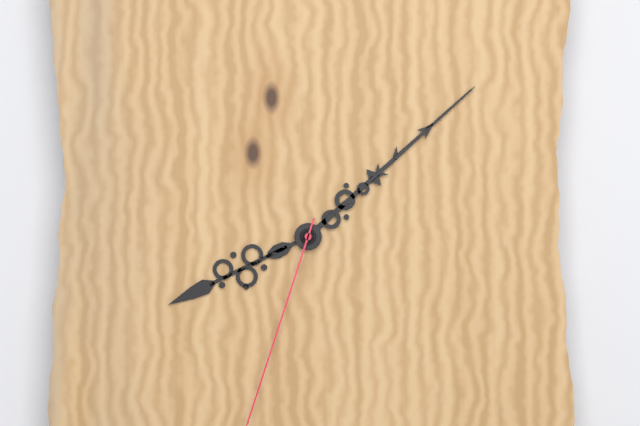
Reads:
8h08
